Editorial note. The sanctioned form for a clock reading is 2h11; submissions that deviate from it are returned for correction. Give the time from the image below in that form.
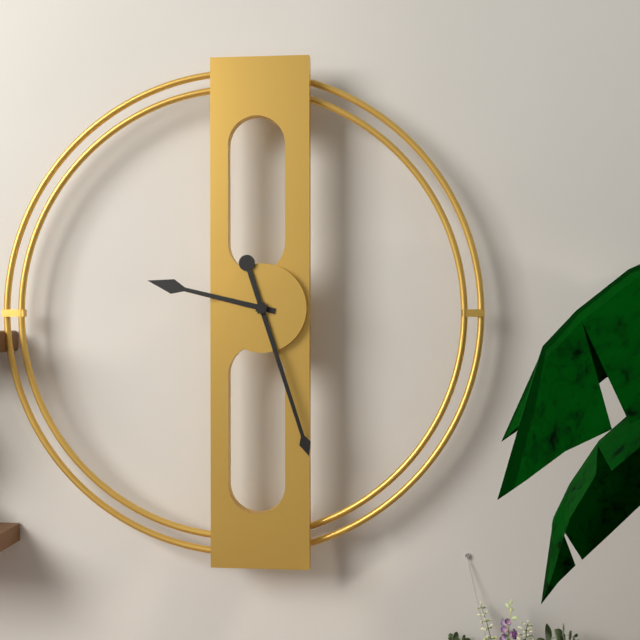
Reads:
9h27
